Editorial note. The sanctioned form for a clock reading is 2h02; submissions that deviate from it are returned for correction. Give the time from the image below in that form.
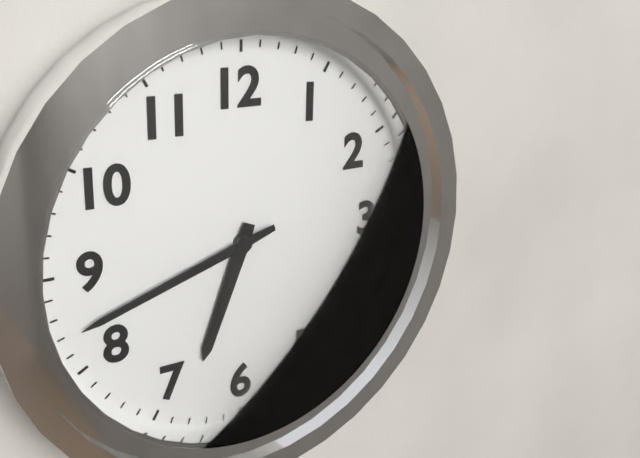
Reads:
6h42
